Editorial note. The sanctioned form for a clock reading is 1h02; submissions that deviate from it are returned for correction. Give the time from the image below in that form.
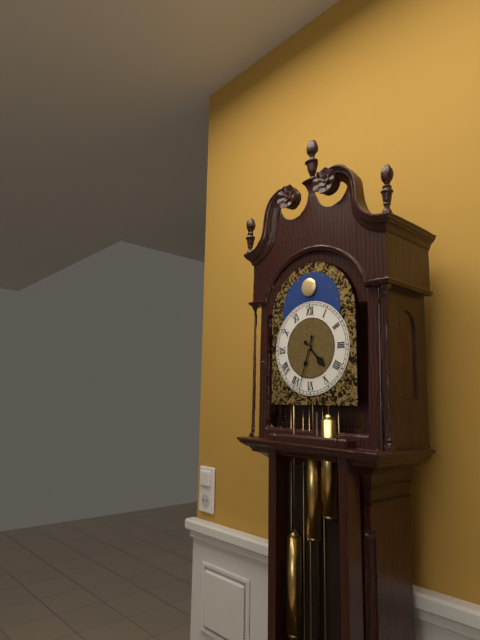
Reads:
4h33
